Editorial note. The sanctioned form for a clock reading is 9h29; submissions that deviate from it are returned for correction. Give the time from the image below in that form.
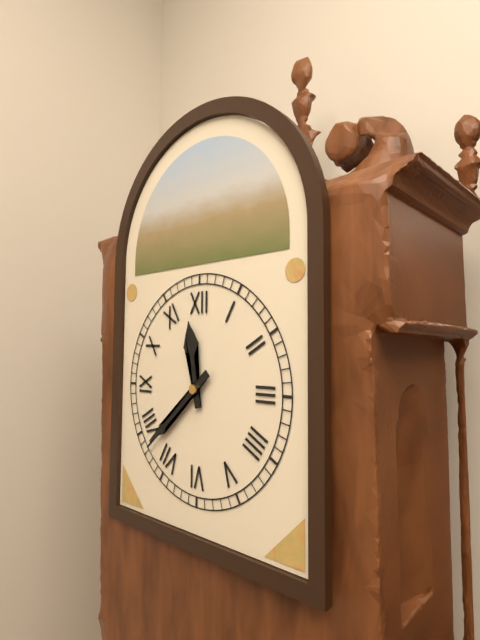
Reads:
11h38
